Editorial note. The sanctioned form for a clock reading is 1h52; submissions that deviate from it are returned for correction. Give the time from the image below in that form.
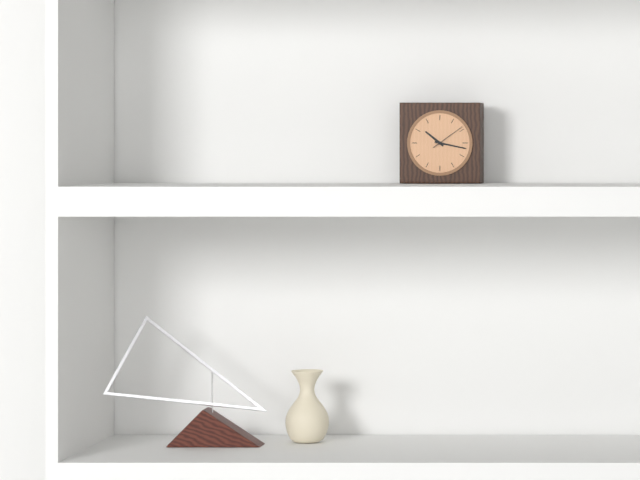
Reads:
10h17
